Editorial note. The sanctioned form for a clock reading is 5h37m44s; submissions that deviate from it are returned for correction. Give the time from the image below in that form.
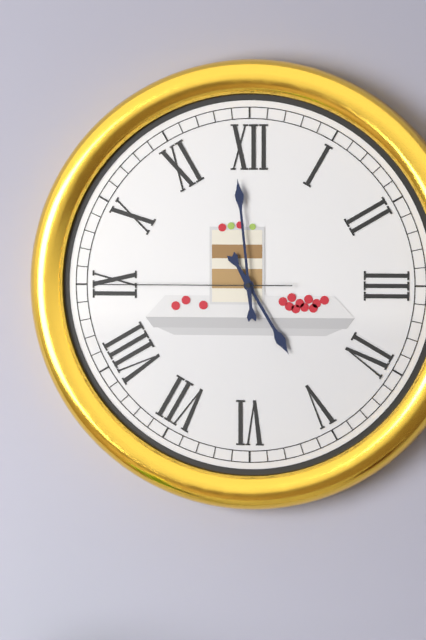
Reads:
4h59m45s
